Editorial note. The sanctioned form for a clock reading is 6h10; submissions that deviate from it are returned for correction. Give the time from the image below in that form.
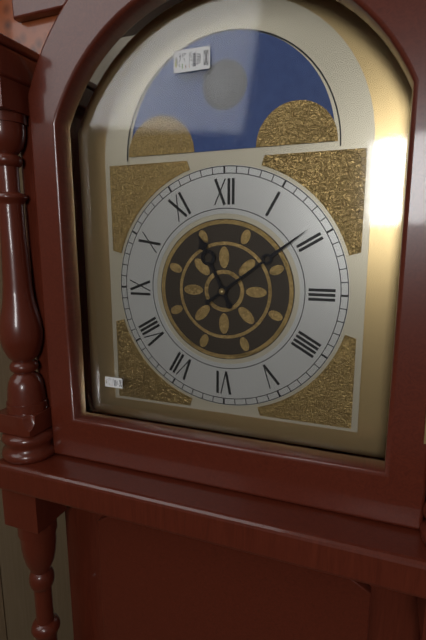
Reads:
11h09
